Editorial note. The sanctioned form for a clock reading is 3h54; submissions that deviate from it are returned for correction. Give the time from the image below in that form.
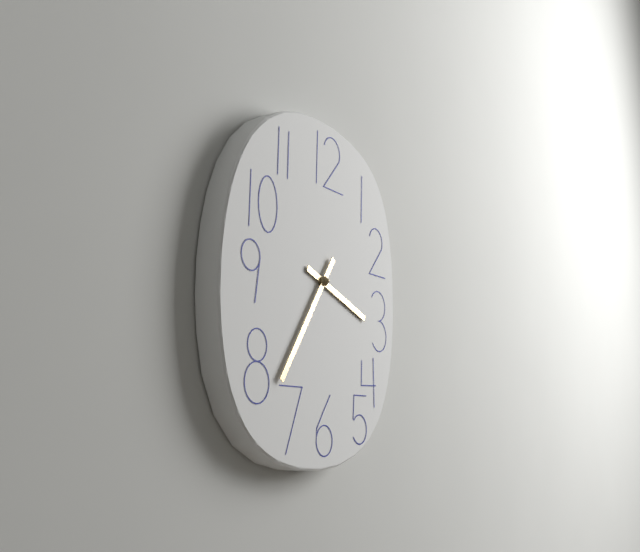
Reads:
3h36
